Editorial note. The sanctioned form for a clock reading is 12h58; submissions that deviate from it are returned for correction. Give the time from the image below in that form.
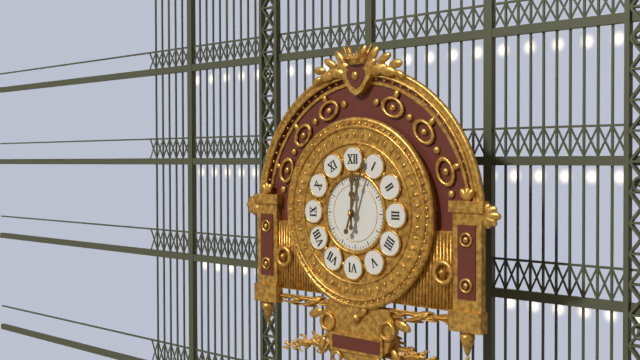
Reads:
12h03
